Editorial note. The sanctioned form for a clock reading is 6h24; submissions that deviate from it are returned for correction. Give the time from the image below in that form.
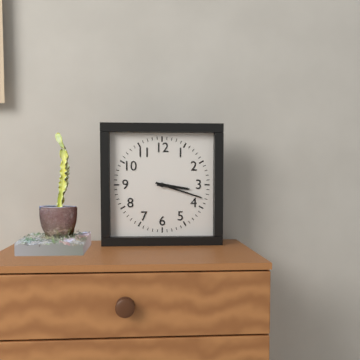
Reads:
3h18
